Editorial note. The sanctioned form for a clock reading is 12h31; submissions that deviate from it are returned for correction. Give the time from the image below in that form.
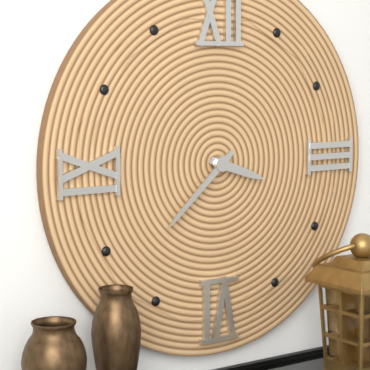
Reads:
3h38
